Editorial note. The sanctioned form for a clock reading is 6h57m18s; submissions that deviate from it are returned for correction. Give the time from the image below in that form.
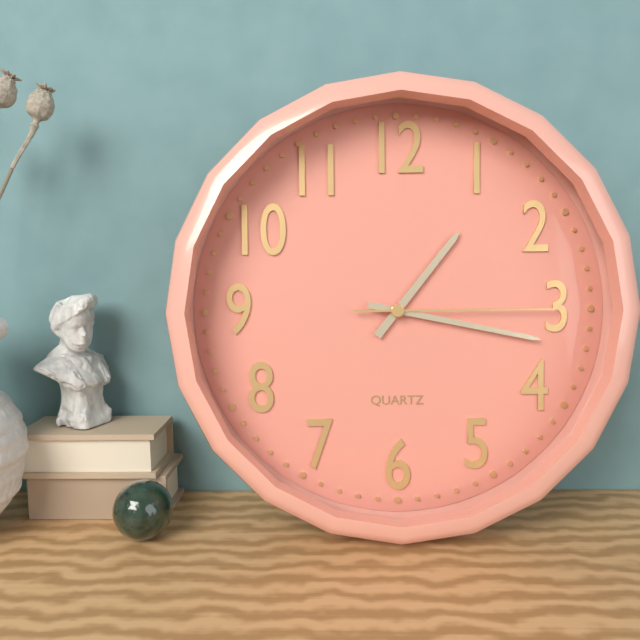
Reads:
1h17m15s
